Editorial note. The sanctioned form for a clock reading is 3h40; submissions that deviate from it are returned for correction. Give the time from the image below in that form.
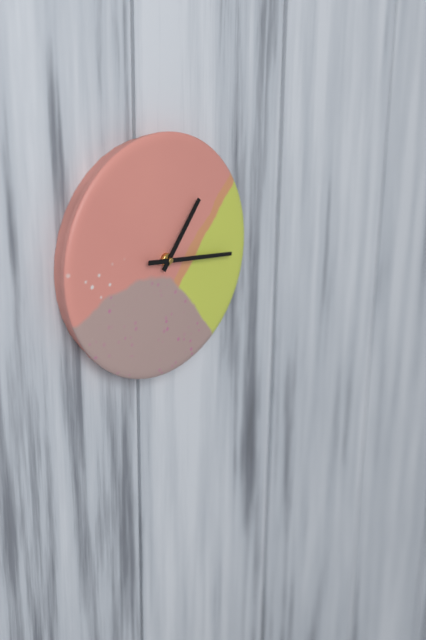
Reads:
1h16
